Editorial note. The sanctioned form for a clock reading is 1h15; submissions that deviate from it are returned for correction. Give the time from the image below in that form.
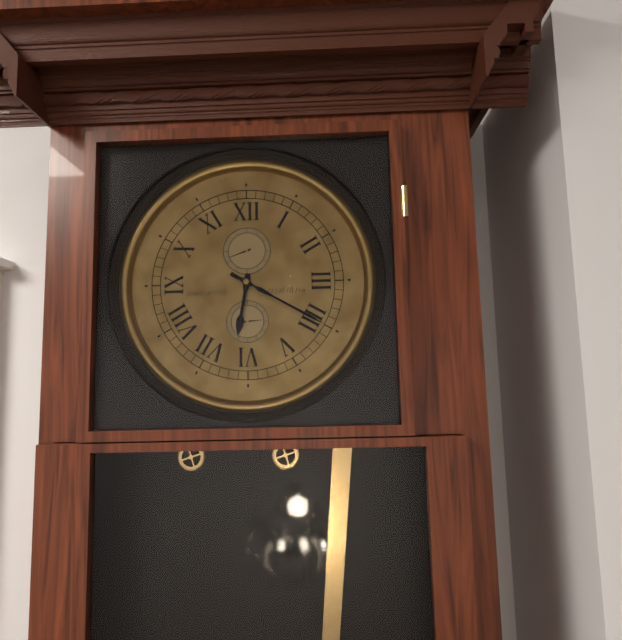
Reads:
6h20
